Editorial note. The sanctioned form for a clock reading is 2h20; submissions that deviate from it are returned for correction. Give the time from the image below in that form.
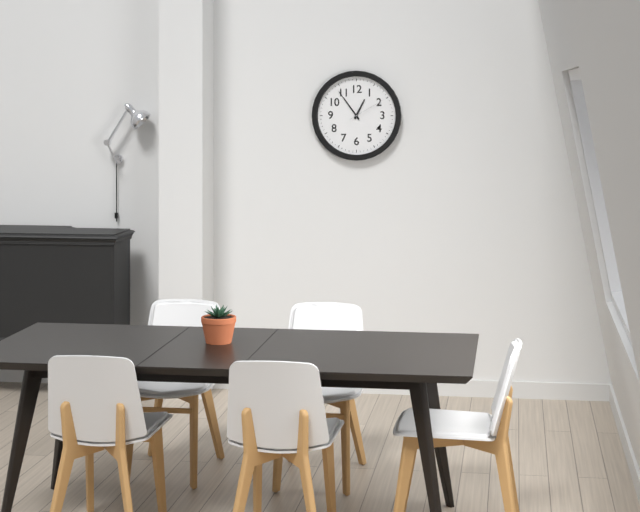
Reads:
12h54
